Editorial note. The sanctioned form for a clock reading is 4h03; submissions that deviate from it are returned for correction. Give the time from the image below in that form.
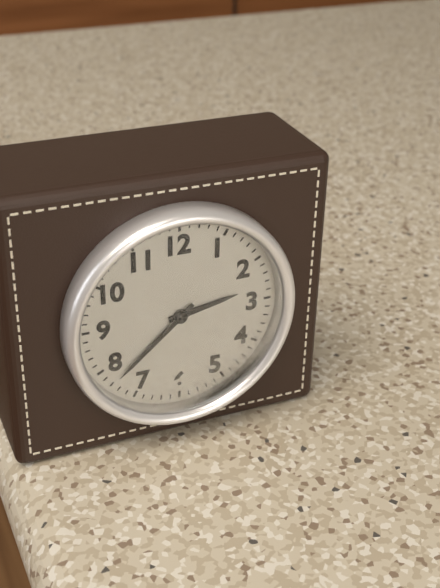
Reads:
2h38
